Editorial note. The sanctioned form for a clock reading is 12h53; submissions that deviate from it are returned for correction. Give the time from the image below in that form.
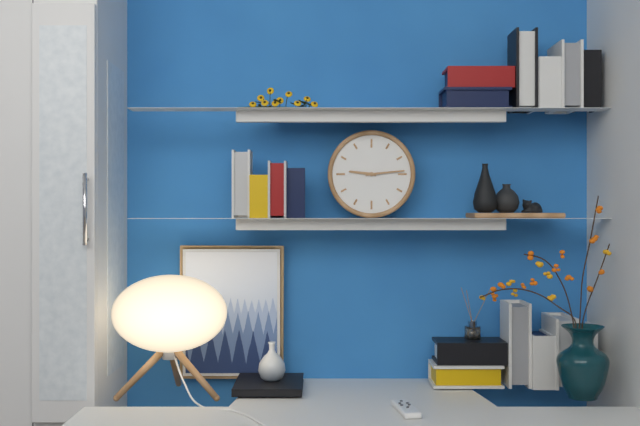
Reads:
9h14
